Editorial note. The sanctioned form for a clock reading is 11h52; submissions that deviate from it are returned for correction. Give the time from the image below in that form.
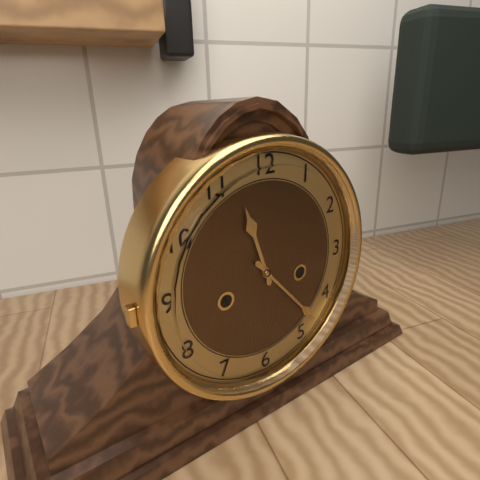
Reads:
11h23
